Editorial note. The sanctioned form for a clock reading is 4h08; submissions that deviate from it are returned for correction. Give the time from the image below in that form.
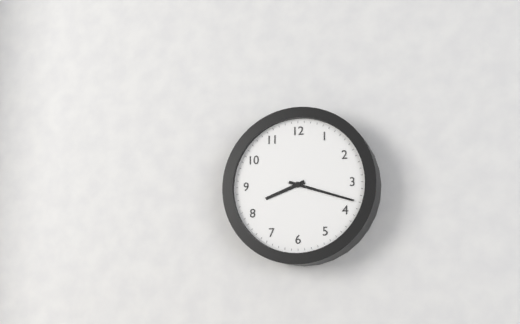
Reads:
8h18
